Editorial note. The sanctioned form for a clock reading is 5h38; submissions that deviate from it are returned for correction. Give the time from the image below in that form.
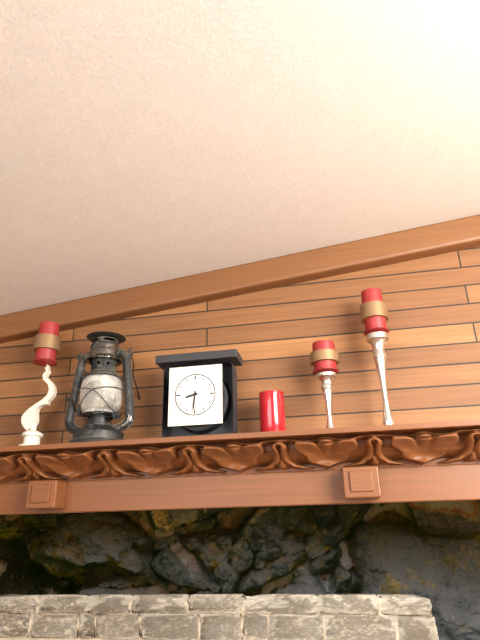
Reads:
8h31
